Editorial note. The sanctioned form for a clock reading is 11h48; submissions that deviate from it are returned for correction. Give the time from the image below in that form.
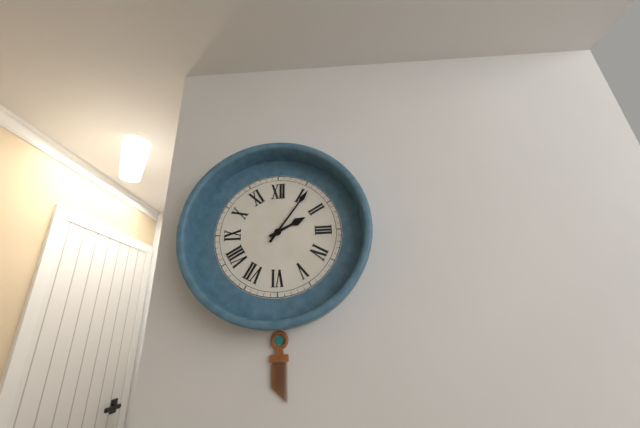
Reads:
2h06
